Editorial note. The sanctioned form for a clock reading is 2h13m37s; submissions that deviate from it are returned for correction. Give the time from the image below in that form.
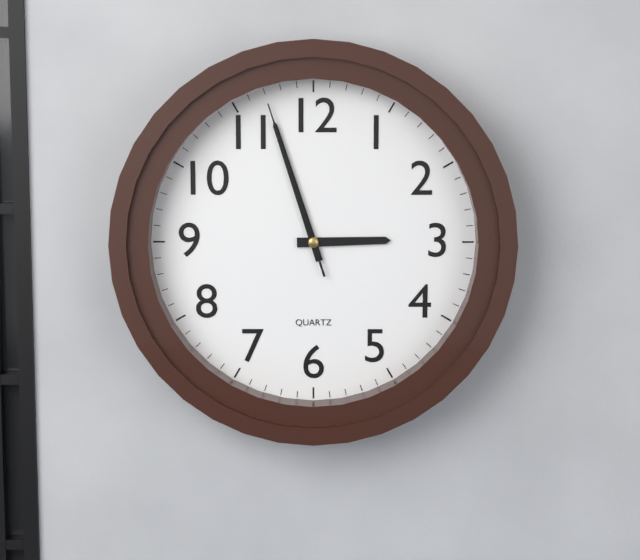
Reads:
2h57m57s
